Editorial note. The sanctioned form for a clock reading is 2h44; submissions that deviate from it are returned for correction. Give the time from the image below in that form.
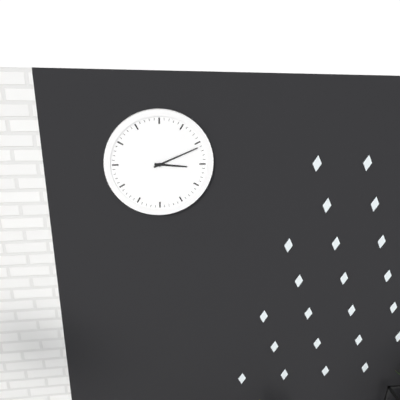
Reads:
3h11
